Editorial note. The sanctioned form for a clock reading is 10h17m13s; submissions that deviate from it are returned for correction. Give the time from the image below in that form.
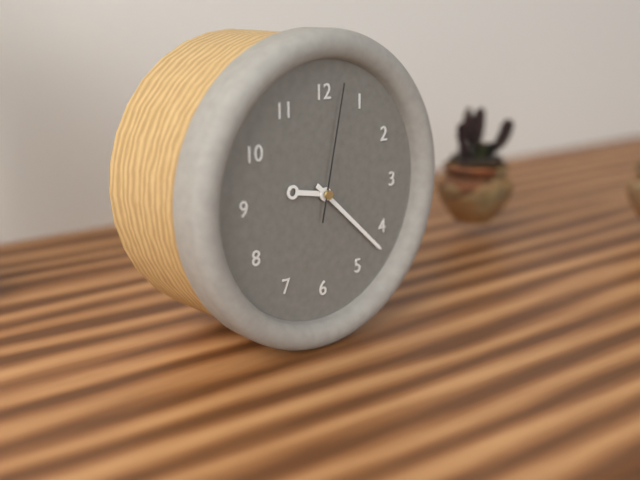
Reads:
9h22m02s
